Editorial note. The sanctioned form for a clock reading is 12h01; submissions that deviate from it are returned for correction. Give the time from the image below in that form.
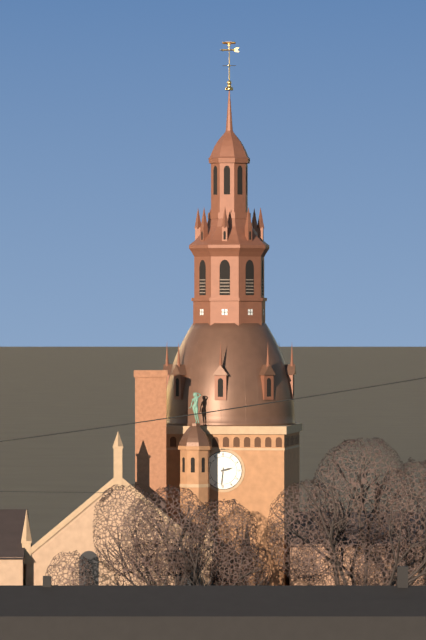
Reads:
2h31
